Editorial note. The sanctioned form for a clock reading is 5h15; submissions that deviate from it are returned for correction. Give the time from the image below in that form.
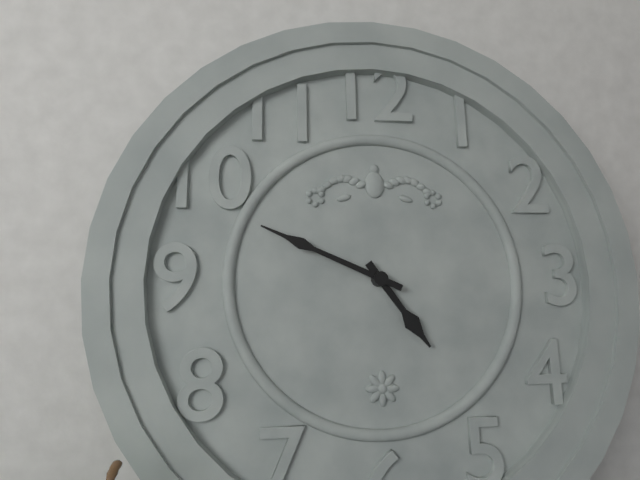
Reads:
4h49
